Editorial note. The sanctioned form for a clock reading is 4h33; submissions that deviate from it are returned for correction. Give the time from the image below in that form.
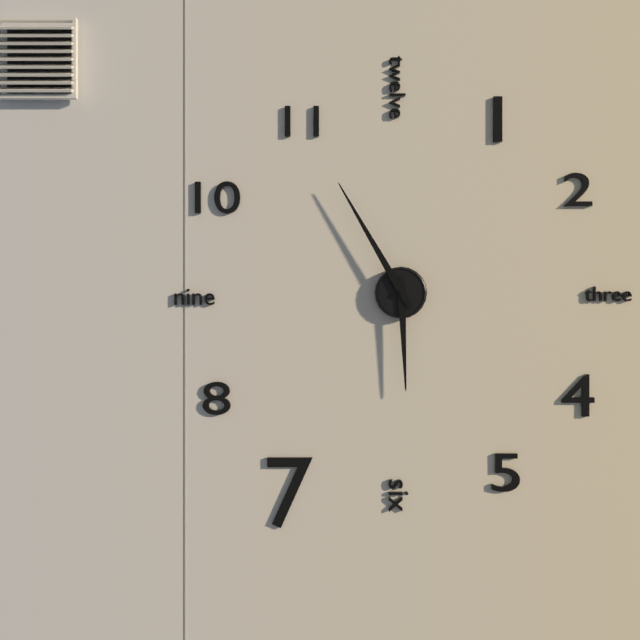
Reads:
5h55
